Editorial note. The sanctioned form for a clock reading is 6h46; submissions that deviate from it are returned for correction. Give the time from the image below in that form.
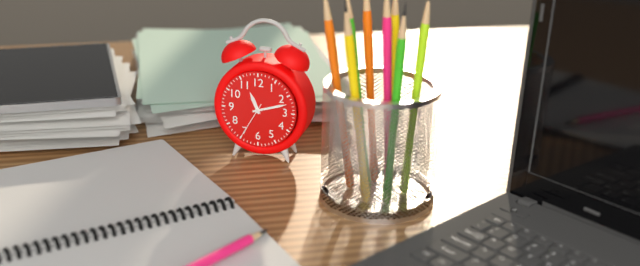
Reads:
11h12
